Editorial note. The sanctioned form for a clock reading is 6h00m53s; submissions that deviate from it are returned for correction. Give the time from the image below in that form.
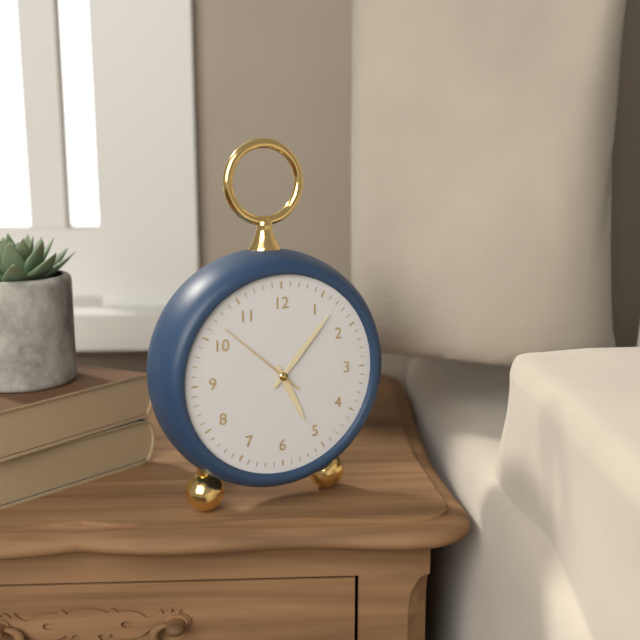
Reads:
5h07m52s
